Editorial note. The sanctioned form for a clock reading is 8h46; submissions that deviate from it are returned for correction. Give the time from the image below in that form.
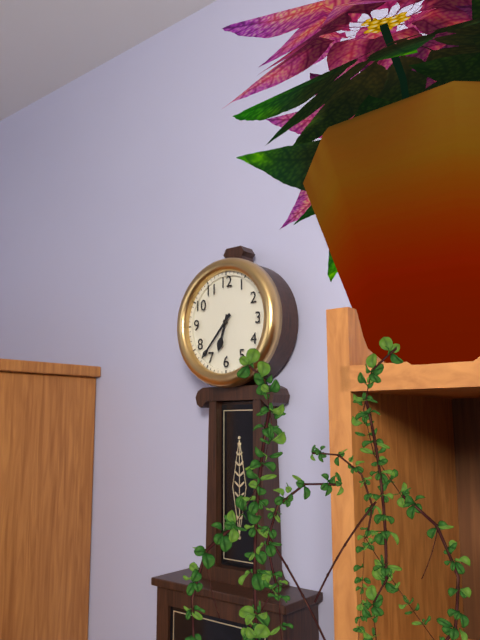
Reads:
6h37
